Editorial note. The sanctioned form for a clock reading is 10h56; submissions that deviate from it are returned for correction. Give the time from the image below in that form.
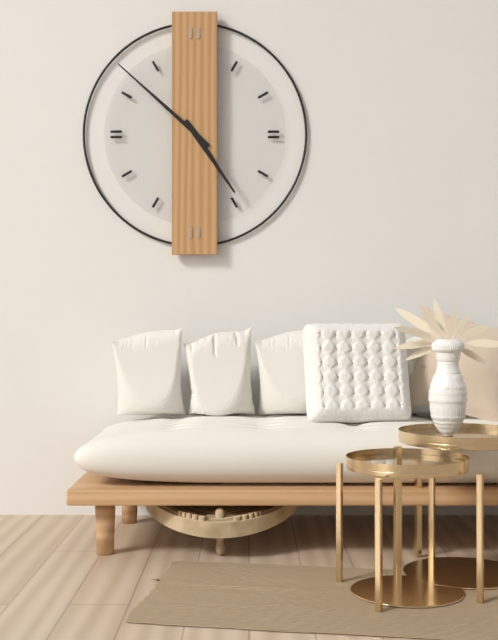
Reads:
4h52
